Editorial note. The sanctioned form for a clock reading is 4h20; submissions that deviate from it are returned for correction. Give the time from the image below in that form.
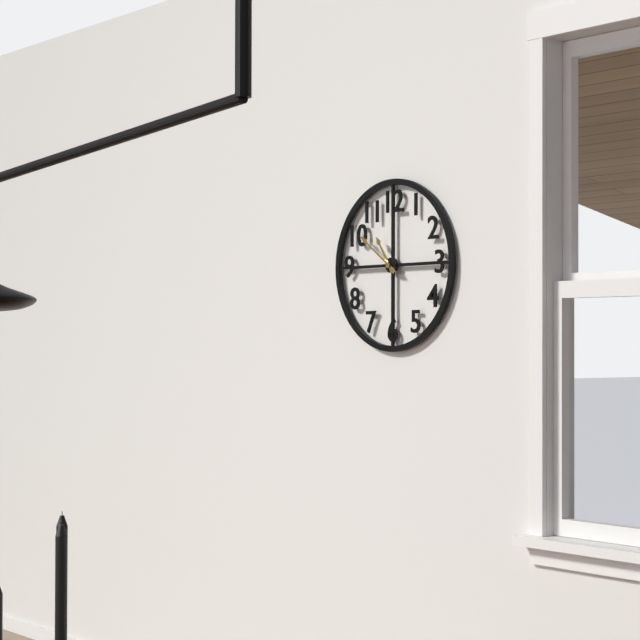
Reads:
10h51
